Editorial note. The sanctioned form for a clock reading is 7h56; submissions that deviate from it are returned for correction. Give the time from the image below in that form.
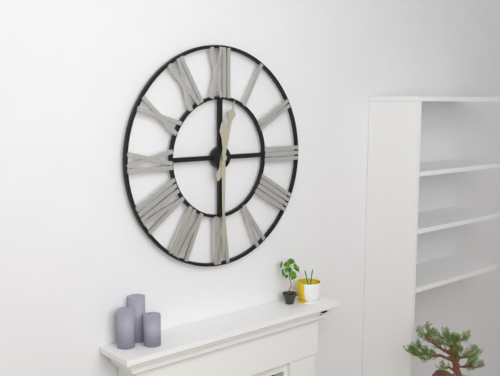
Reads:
12h30
